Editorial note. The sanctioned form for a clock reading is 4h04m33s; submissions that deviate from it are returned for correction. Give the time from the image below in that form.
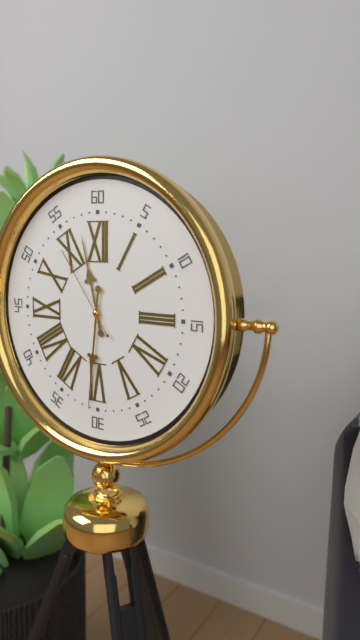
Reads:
11h31m54s
